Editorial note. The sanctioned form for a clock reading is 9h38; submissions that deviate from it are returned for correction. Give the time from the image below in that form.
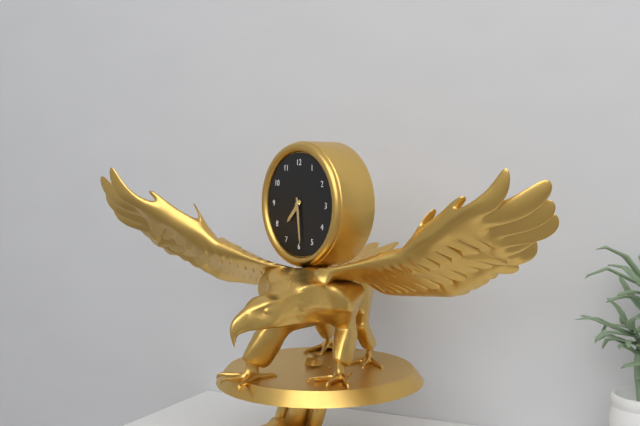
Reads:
7h29
